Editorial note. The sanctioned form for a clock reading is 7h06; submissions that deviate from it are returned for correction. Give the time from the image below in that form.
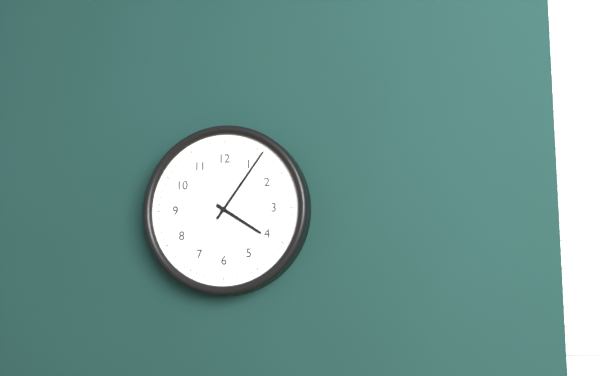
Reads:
4h06
